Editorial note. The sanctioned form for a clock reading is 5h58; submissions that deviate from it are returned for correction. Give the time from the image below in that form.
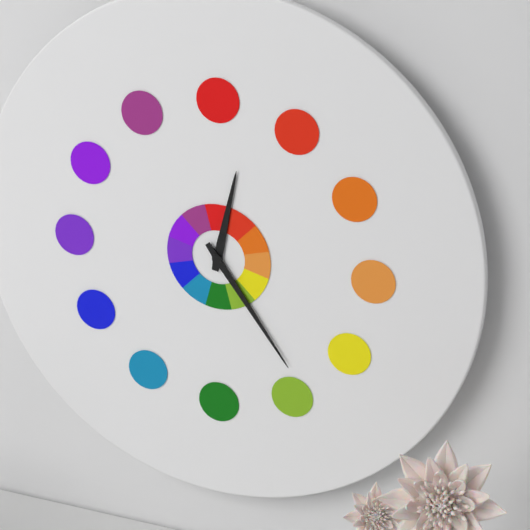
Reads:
12h24
